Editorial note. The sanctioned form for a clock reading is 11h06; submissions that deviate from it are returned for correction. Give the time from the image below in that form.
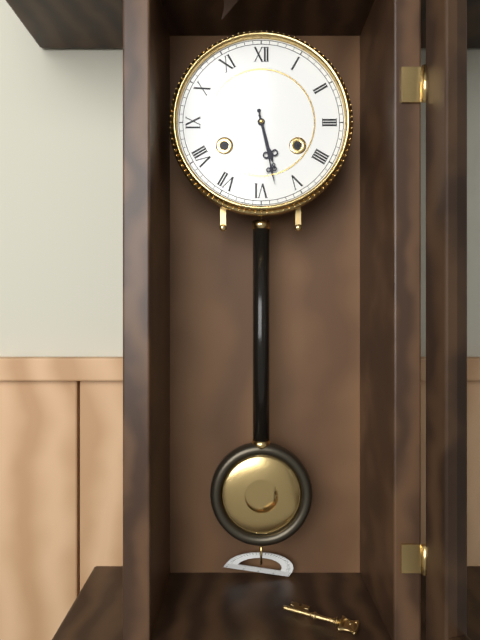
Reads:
5h28
